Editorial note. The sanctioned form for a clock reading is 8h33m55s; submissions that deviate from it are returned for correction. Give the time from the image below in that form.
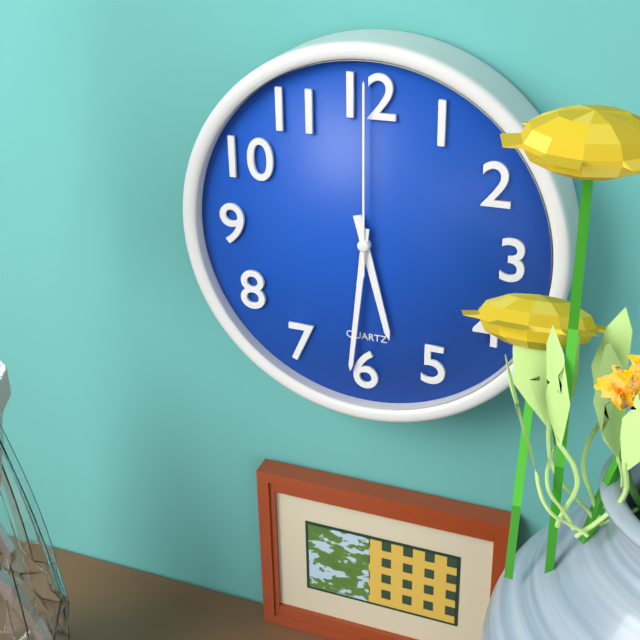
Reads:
5h31m00s
